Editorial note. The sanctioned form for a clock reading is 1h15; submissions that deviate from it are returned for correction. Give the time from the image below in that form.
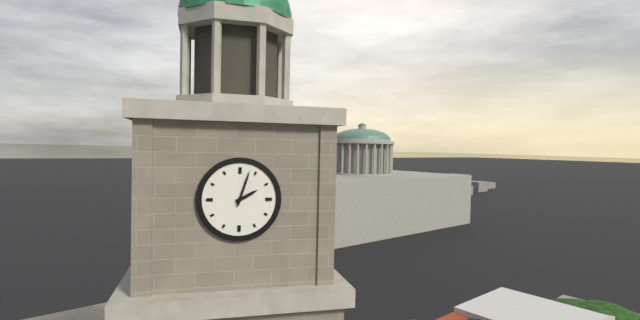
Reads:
2h03
